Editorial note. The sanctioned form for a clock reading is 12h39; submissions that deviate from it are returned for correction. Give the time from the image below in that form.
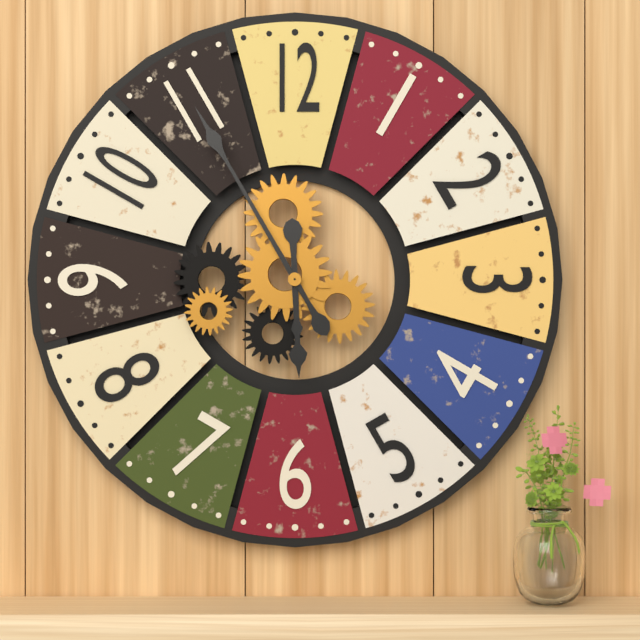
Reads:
5h55
